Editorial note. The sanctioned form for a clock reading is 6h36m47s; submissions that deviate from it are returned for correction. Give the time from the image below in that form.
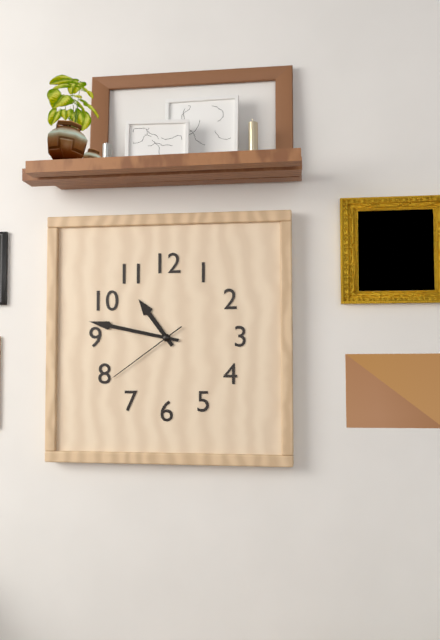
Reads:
10h47m39s
